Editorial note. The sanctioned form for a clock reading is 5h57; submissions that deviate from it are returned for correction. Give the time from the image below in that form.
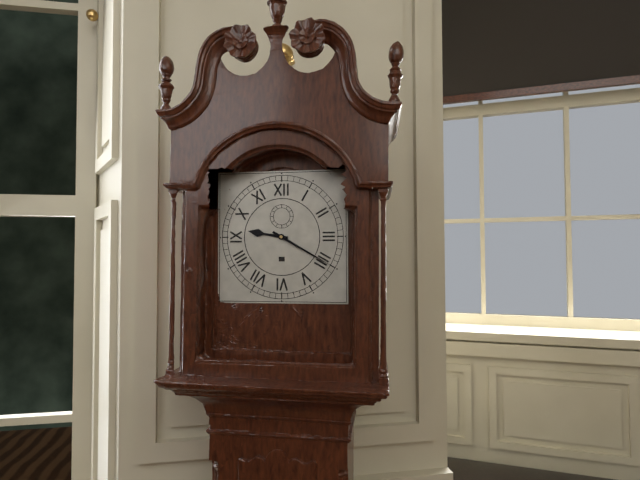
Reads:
9h20
